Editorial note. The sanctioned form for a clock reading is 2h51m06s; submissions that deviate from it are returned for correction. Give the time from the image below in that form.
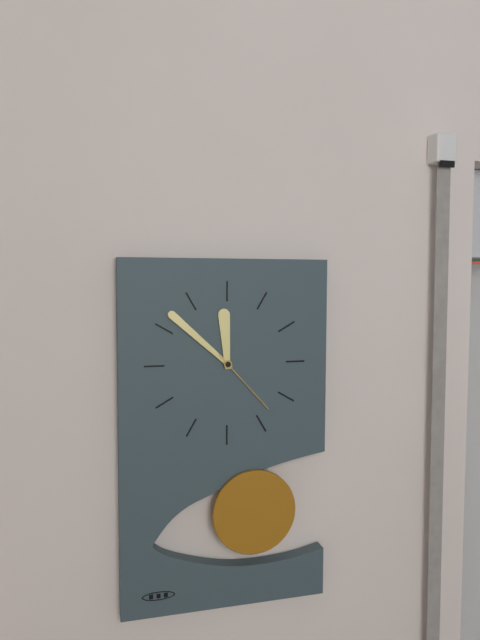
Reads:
11h52m23s
